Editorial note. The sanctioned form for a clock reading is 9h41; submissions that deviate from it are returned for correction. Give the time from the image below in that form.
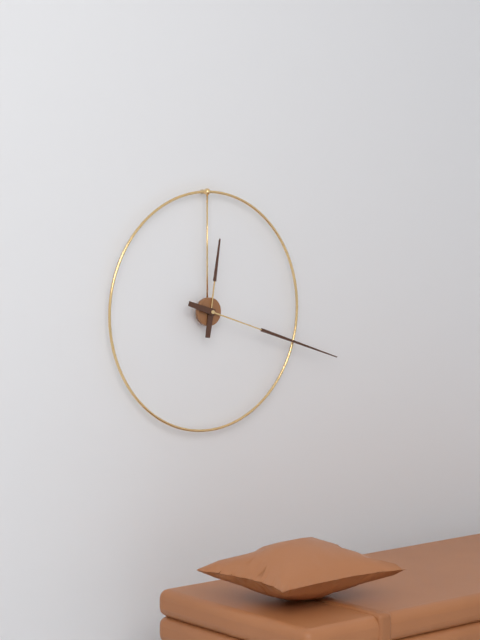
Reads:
12h18
